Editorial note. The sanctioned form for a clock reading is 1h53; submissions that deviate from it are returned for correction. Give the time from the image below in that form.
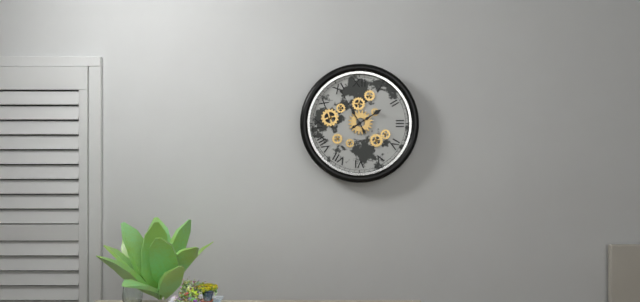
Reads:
1h55
